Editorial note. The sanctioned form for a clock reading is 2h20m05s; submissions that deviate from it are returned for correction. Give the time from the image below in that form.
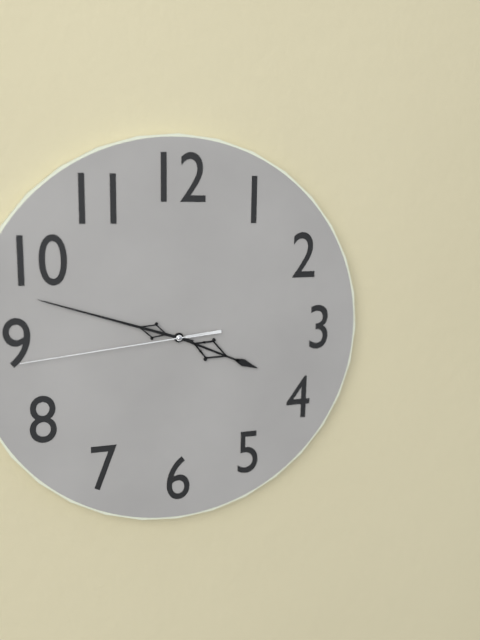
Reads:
3h48m44s
